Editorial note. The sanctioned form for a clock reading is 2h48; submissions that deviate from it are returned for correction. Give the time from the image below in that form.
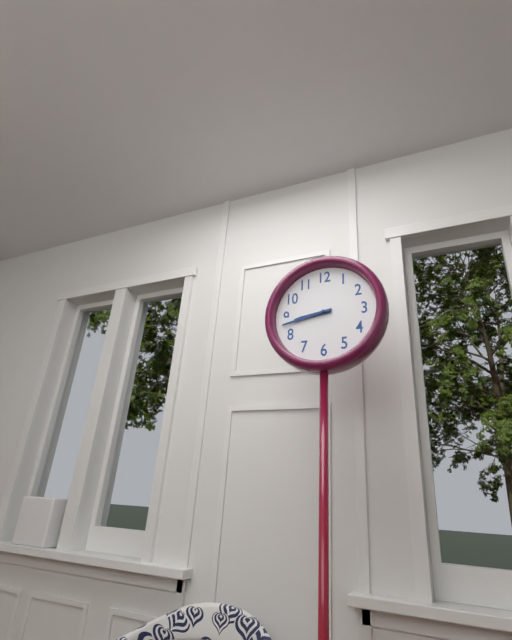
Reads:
8h43
